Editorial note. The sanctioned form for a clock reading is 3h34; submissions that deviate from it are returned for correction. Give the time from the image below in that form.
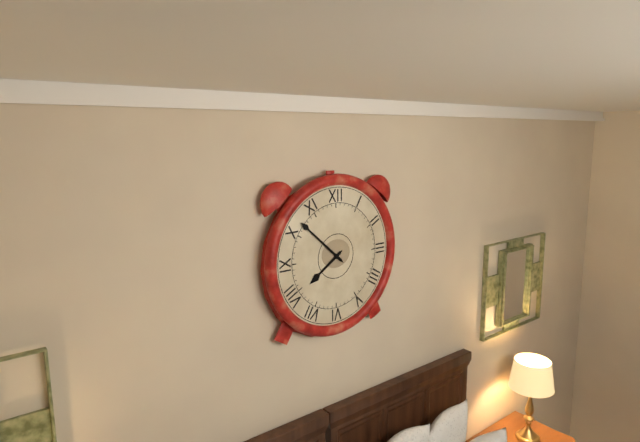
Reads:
7h52
